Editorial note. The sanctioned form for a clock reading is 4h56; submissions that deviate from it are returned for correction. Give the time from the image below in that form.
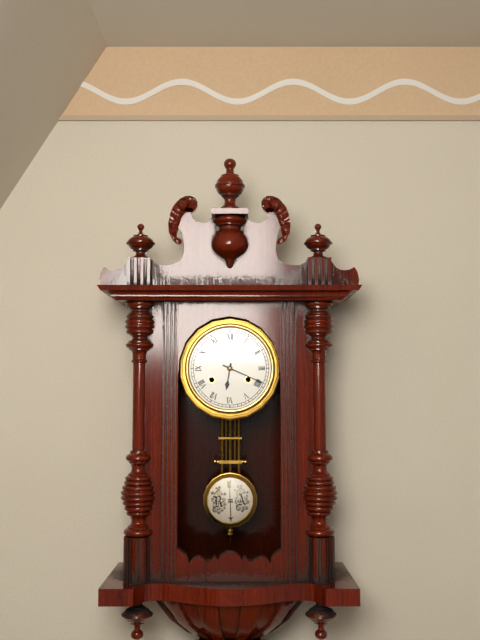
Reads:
6h19
